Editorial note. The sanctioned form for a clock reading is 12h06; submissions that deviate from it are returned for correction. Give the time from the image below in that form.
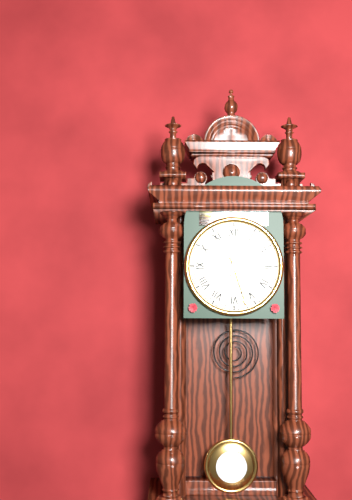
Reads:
12h27
